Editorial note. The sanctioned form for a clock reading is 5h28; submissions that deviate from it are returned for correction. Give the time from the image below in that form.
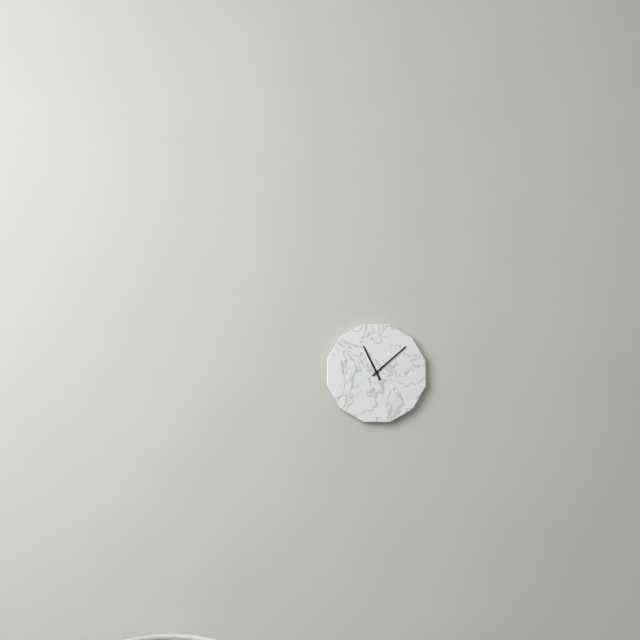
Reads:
11h08
